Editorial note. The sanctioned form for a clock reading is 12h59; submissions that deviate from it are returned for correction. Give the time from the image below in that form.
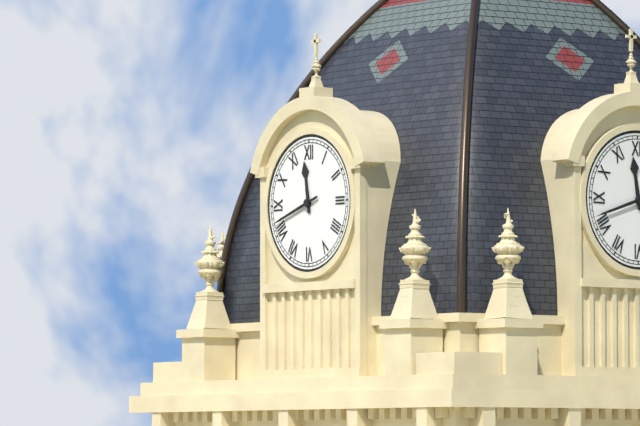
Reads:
11h42
